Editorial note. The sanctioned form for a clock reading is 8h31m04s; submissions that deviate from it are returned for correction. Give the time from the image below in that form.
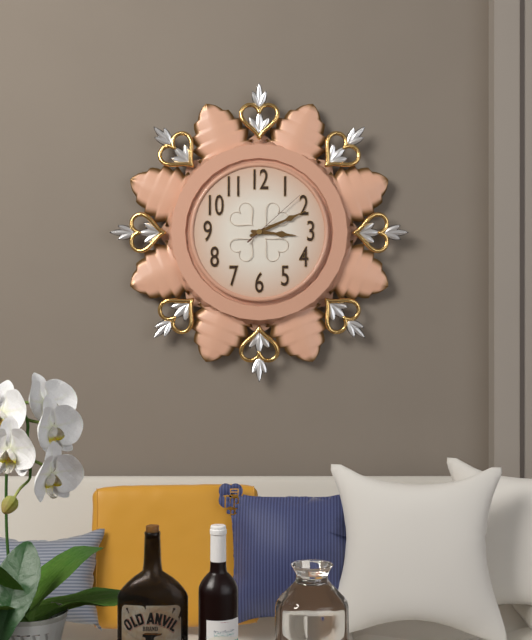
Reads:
3h11m08s
